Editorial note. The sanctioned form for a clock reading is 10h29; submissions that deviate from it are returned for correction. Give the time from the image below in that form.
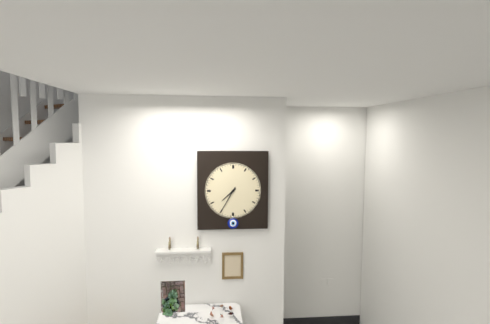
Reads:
7h35
